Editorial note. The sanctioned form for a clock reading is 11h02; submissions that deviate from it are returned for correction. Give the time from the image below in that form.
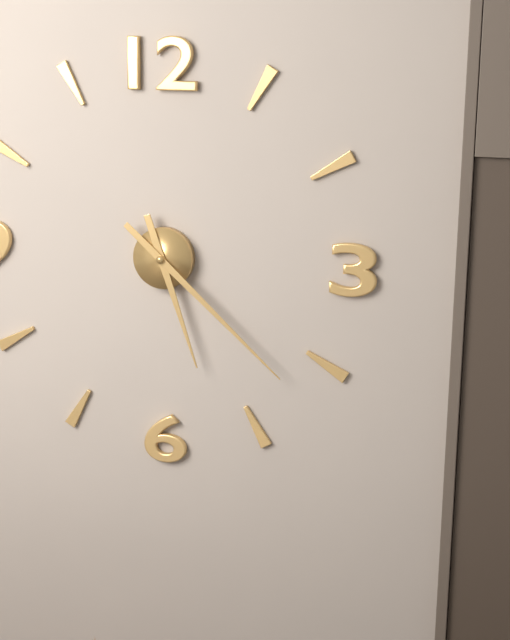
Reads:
5h22
